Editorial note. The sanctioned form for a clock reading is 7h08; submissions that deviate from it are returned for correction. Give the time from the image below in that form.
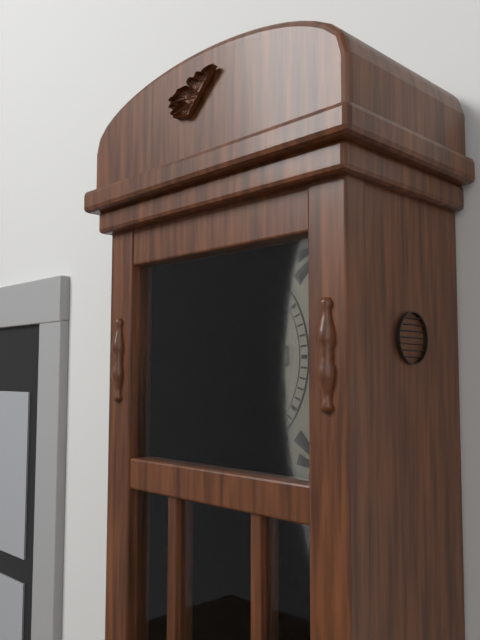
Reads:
6h26
